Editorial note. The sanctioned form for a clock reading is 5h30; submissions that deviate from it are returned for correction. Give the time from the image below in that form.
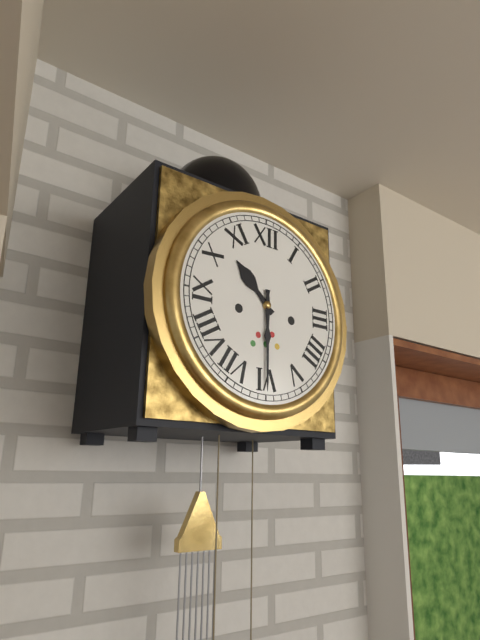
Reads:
10h30
